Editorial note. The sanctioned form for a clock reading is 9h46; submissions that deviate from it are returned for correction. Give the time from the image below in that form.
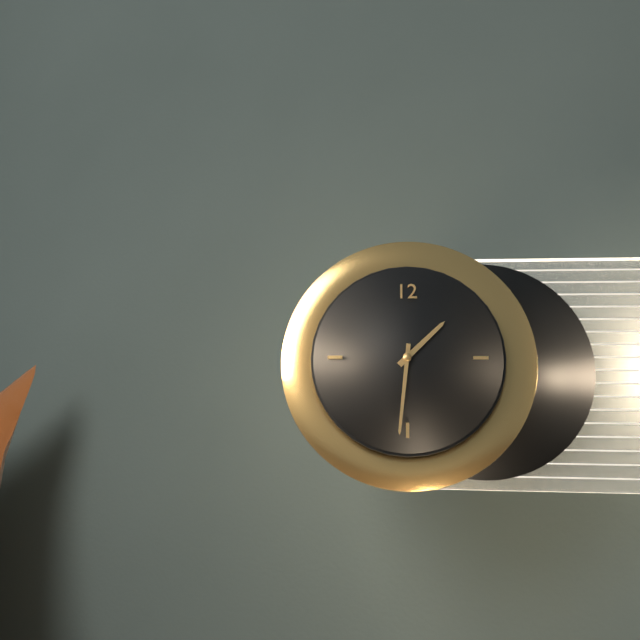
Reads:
1h31
